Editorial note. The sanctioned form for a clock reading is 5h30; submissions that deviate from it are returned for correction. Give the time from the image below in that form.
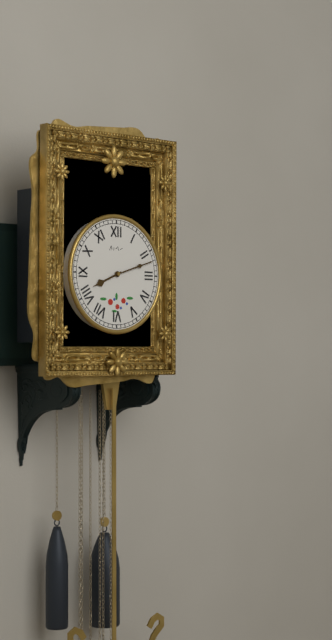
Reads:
8h12
